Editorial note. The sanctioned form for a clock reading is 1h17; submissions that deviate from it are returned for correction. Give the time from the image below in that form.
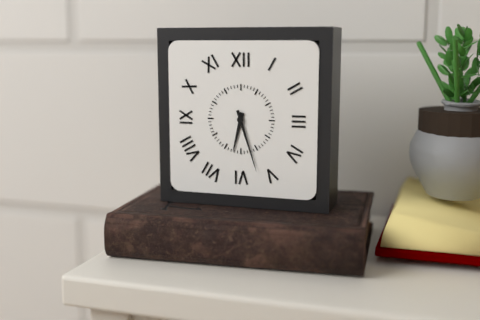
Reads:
6h27
